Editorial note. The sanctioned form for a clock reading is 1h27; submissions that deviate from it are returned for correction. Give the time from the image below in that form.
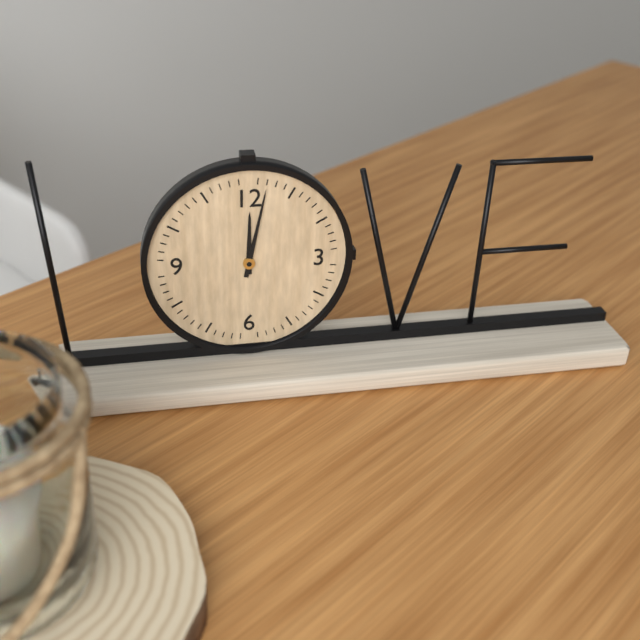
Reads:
12h02
